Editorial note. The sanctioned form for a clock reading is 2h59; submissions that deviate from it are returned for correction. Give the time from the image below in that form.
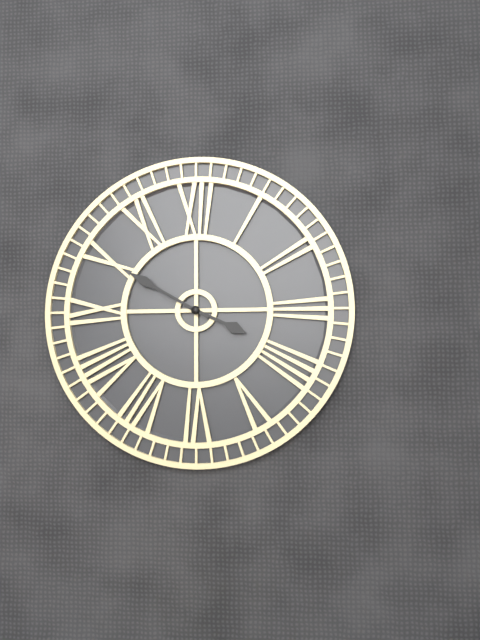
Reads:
3h50
